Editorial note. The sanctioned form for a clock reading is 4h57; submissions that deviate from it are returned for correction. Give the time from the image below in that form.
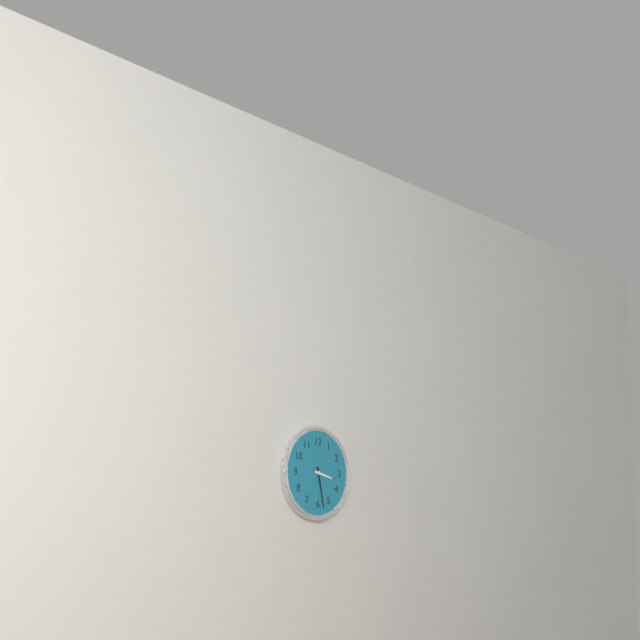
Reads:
3h28
